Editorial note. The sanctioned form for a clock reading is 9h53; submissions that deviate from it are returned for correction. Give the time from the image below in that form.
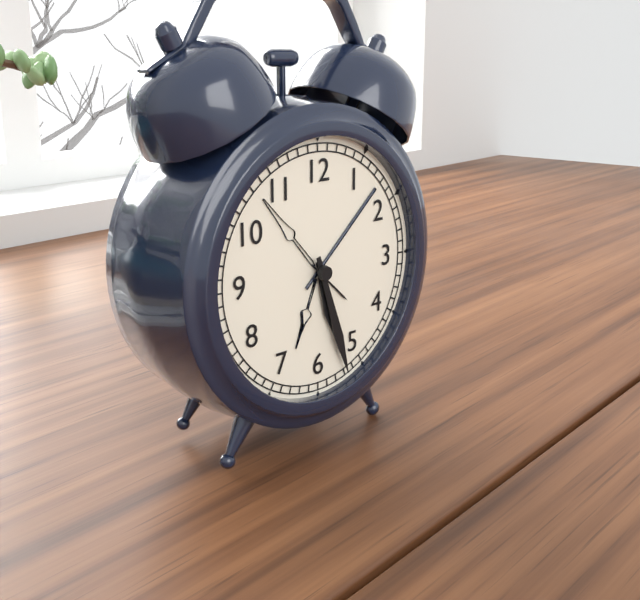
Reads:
5h27
